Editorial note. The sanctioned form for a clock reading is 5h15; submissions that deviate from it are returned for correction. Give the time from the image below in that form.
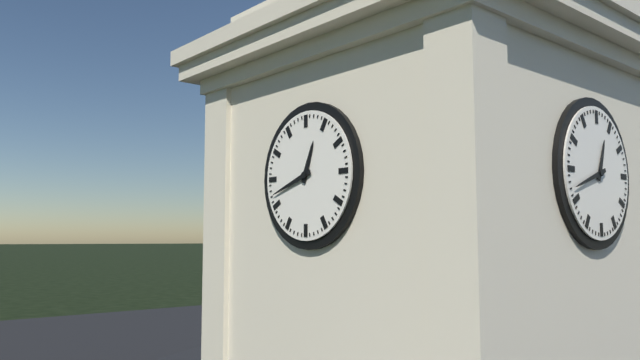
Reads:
12h42
